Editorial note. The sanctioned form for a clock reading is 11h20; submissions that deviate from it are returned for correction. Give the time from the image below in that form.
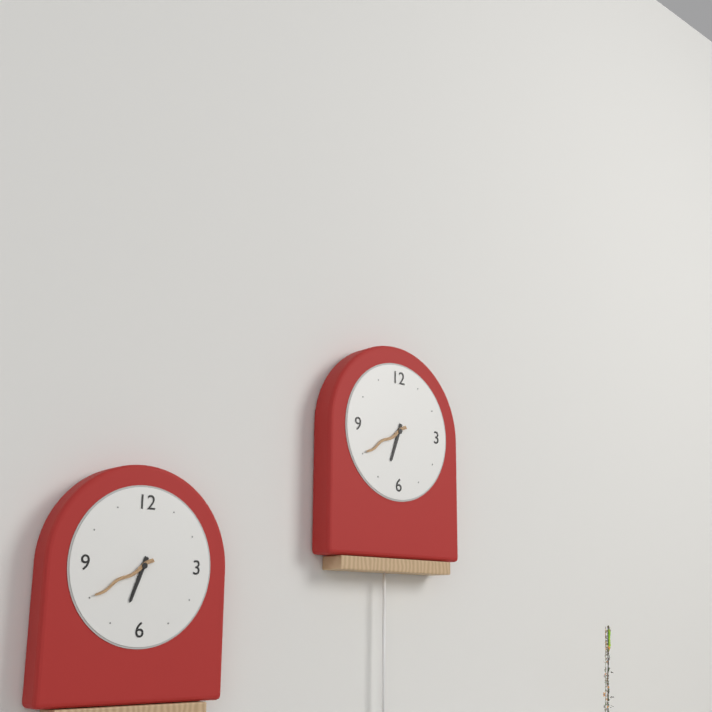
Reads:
6h40
